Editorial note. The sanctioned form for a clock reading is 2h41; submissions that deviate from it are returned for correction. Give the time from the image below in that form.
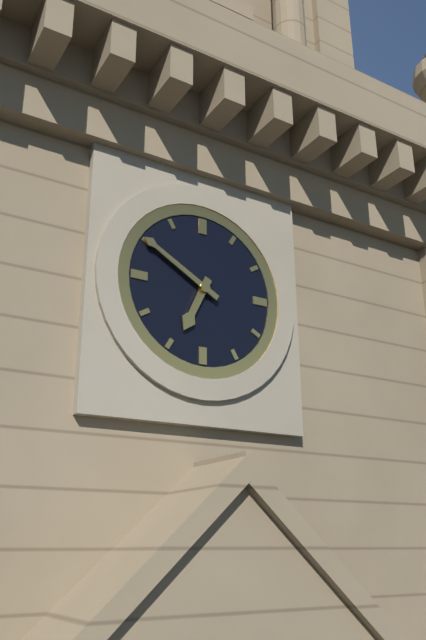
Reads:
6h50
